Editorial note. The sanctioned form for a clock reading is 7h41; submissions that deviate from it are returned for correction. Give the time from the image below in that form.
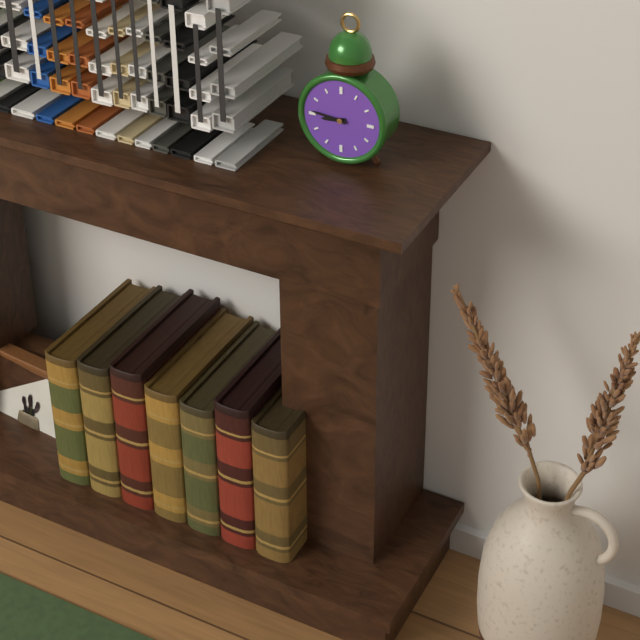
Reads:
8h46
